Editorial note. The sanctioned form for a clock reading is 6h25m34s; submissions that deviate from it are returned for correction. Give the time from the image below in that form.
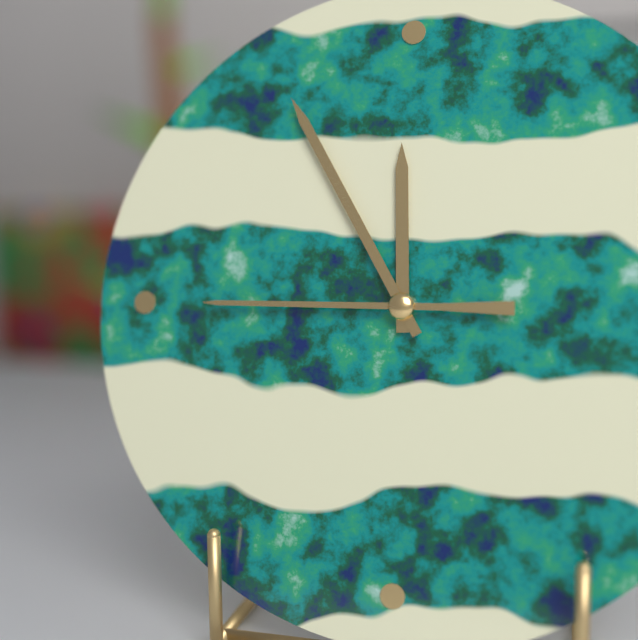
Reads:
11h55m45s
